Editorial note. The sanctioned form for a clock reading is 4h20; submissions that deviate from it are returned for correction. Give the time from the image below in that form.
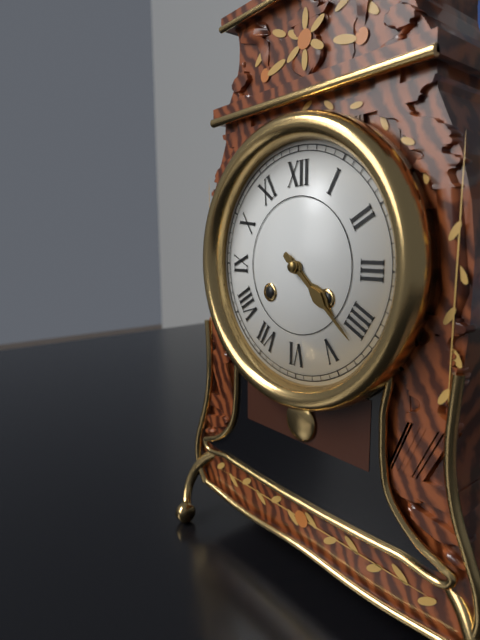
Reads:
4h22
